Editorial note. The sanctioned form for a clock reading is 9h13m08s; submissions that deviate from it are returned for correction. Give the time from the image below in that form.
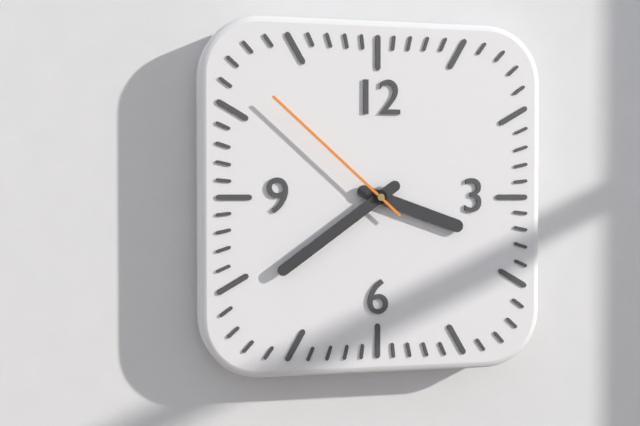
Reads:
3h39m52s
